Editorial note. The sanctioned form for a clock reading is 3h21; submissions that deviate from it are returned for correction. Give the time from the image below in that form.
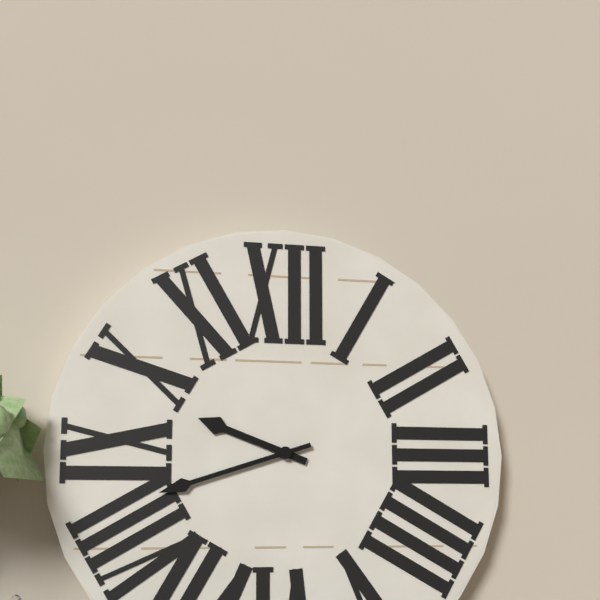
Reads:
9h42
